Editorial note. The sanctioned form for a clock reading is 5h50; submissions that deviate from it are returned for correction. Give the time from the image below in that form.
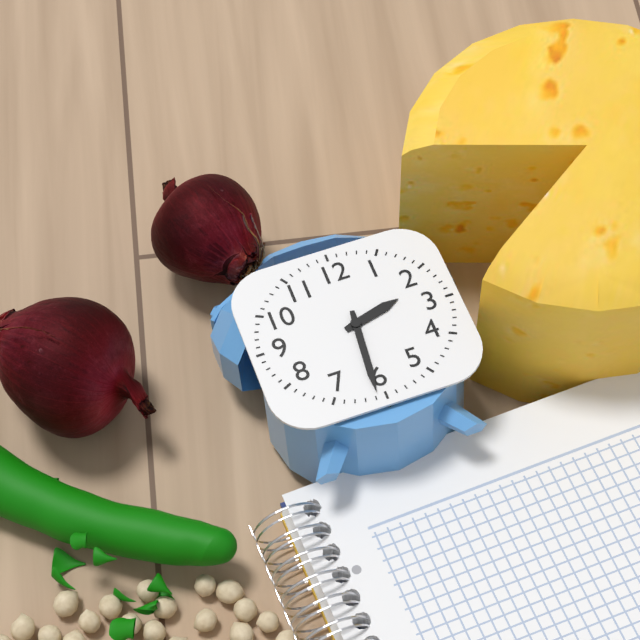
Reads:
2h31
